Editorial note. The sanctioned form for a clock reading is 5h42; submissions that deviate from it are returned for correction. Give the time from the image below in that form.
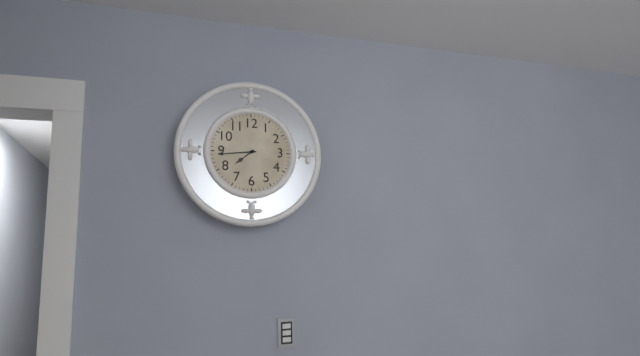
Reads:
7h44
